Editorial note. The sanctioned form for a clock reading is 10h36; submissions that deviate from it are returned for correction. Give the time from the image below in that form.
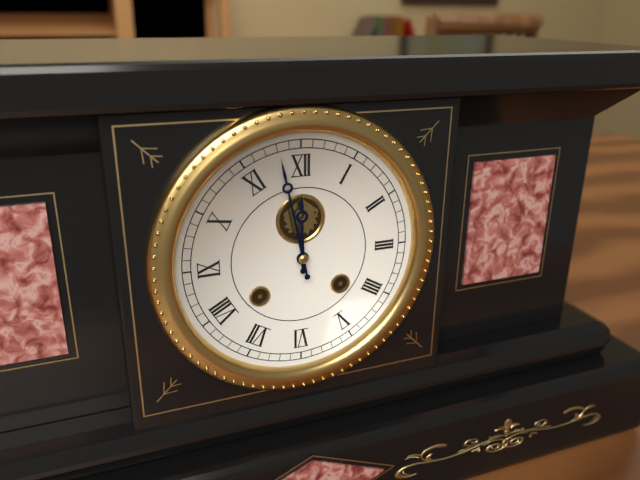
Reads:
11h58
